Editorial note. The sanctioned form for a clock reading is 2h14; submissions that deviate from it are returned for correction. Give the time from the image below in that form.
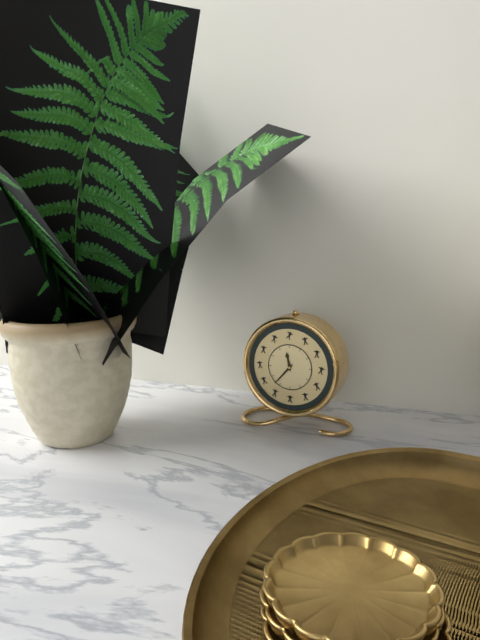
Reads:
11h37
